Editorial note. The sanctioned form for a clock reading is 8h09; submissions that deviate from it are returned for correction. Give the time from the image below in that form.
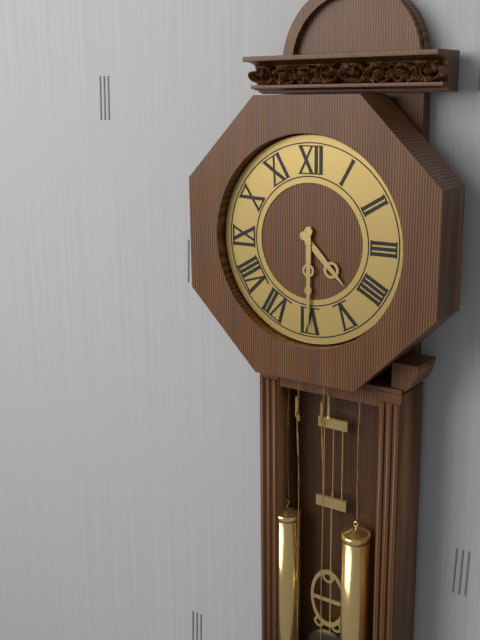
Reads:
4h30
